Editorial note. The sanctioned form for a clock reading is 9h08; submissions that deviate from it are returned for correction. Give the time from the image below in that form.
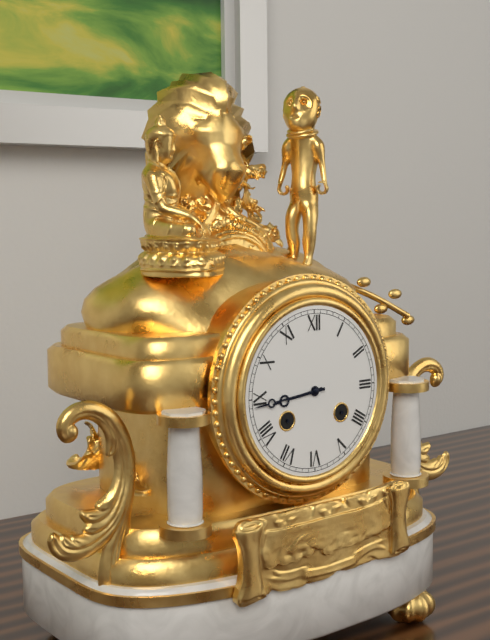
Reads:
8h44
